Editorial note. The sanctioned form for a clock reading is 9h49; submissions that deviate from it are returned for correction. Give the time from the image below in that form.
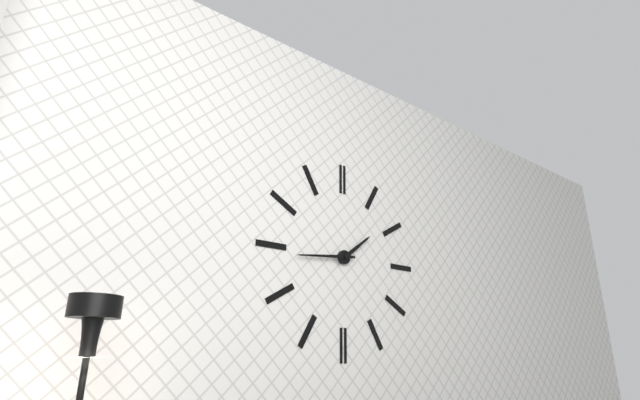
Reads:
1h44
